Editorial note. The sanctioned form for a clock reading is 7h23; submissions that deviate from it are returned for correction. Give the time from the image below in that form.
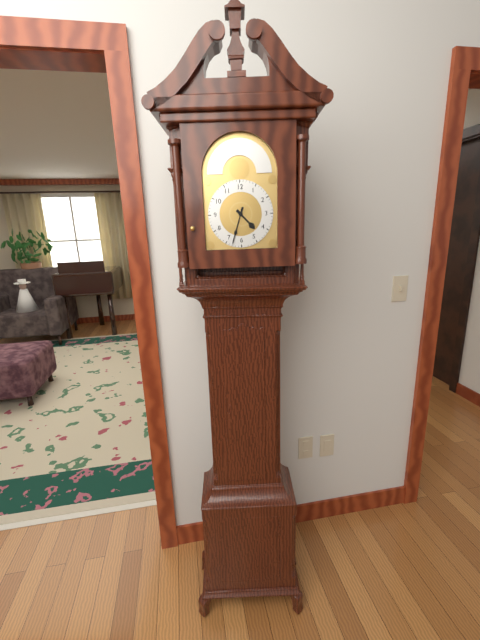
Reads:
4h33
